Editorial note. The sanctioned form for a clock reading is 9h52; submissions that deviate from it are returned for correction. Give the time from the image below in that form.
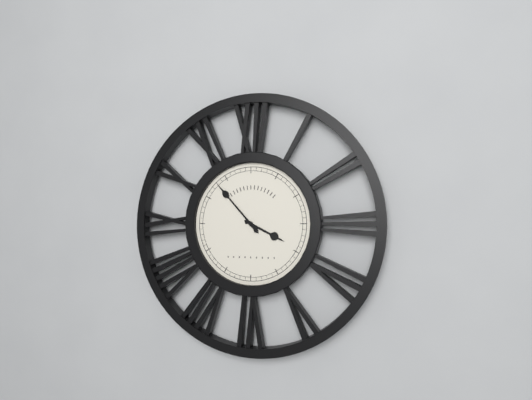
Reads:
3h53
